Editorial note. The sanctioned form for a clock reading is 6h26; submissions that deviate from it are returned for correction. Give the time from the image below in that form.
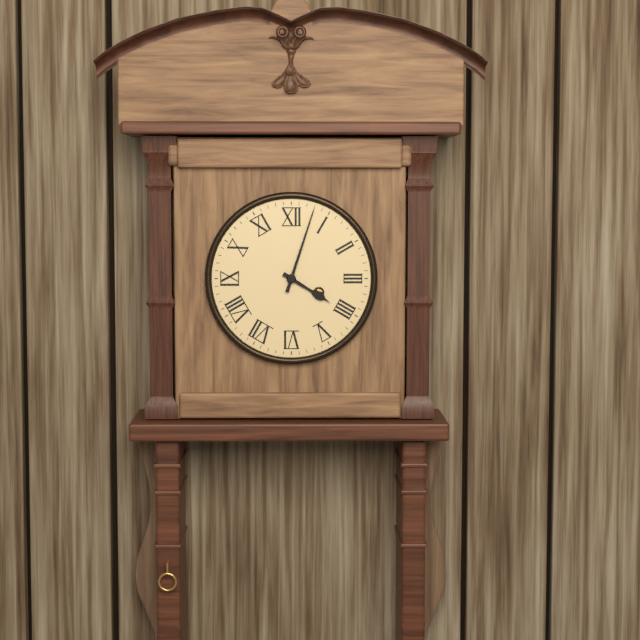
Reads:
4h03
